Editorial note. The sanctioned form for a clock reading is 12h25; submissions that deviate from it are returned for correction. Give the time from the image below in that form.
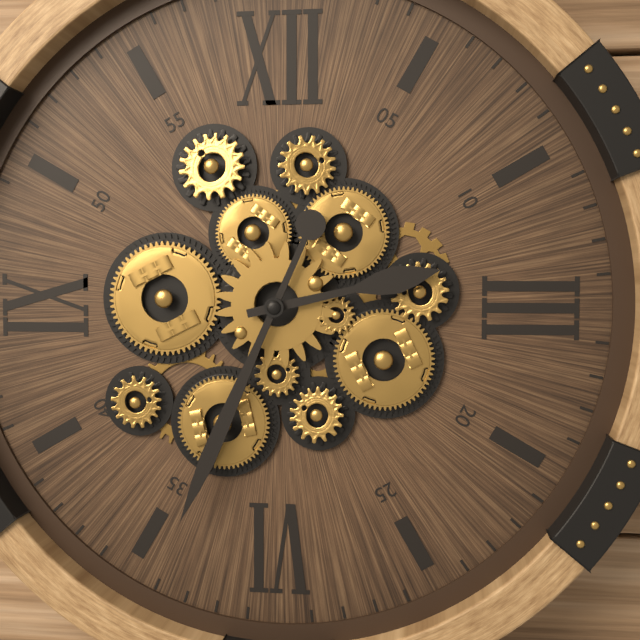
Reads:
2h34
